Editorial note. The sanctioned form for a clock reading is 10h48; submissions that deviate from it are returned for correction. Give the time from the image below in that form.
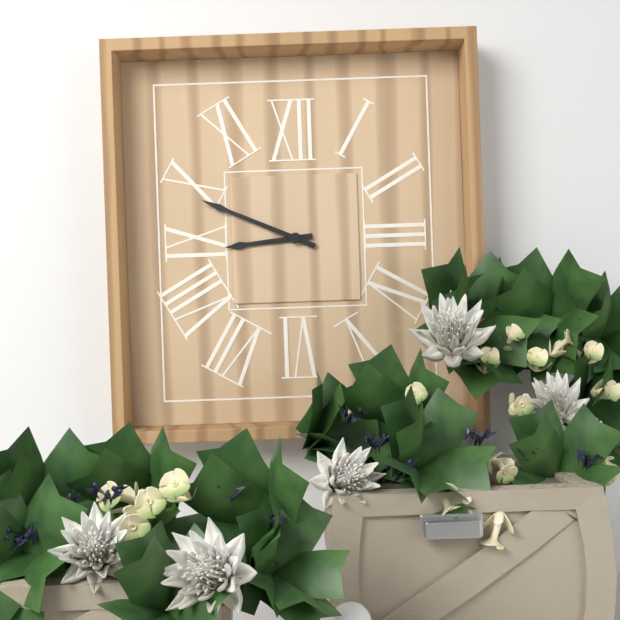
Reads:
8h49
